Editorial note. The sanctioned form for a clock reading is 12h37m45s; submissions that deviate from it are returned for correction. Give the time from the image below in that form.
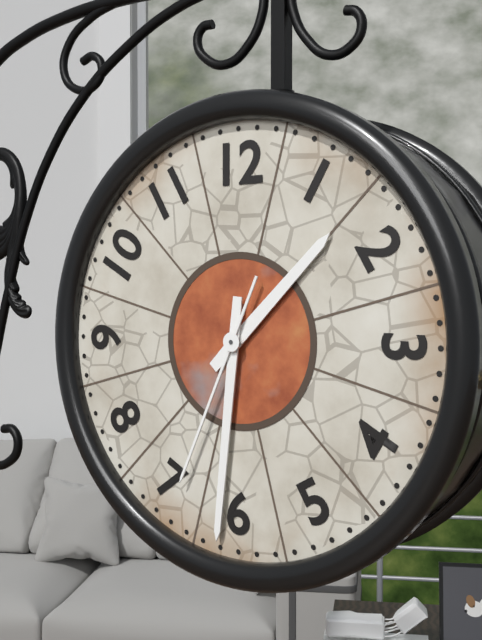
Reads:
1h31m34s
